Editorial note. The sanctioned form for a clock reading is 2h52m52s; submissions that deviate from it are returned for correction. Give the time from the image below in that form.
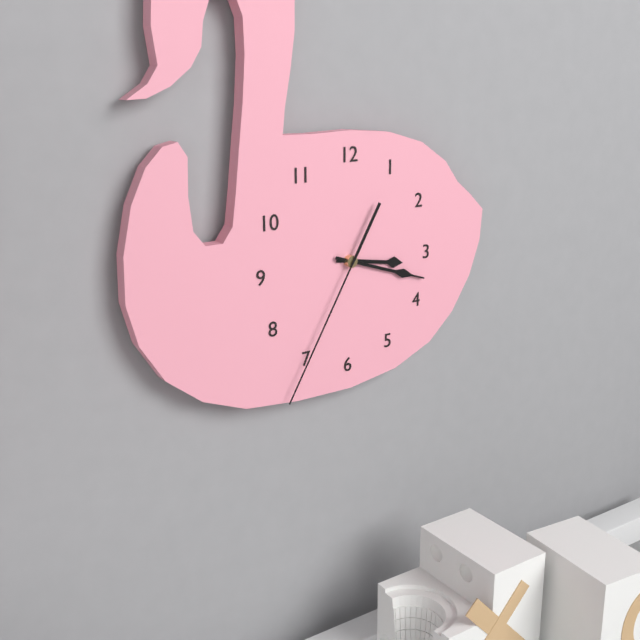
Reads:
3h18m35s
